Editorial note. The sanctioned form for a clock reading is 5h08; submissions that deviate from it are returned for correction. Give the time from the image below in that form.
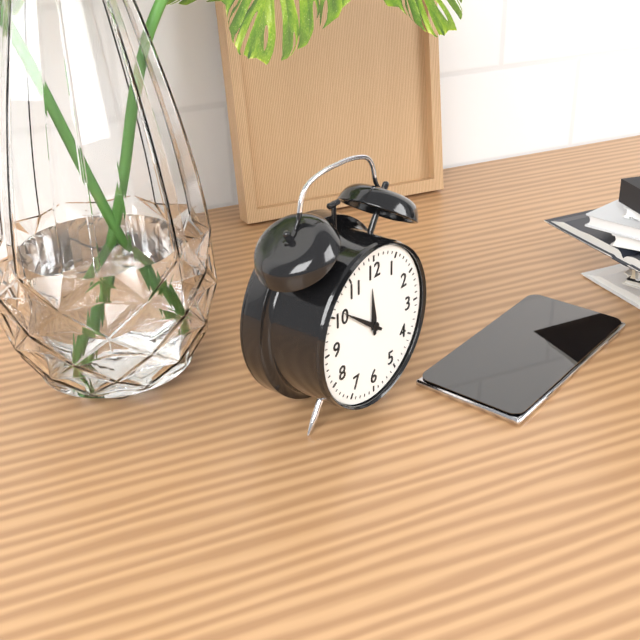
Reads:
11h51
